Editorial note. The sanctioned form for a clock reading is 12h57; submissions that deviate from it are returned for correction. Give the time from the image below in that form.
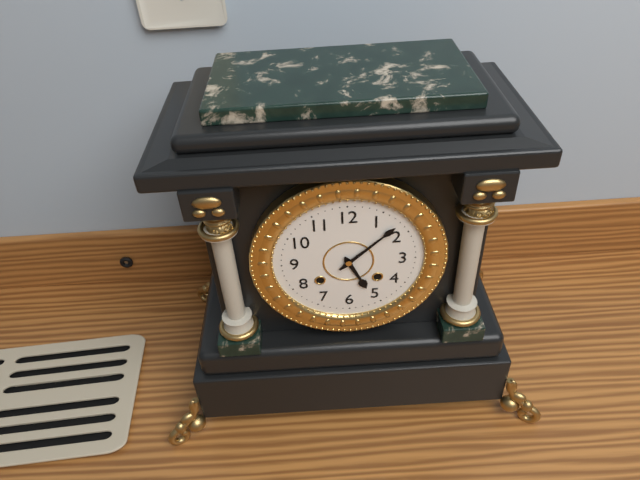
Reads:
5h08
